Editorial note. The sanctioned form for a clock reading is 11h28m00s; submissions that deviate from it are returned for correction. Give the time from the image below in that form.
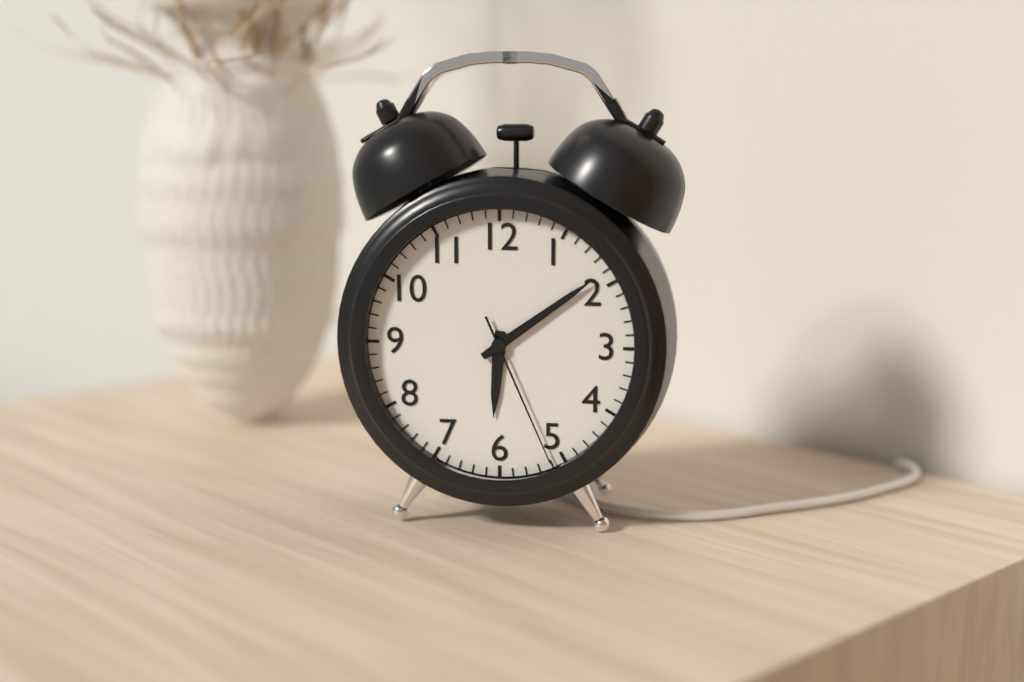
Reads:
6h09m26s
